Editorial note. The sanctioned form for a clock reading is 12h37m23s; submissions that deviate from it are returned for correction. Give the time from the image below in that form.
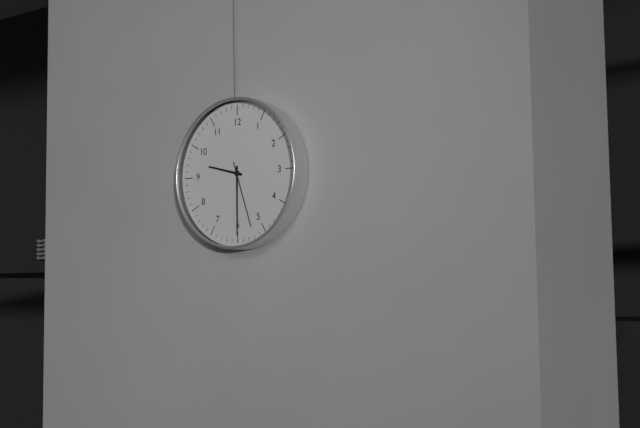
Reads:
9h30m27s
